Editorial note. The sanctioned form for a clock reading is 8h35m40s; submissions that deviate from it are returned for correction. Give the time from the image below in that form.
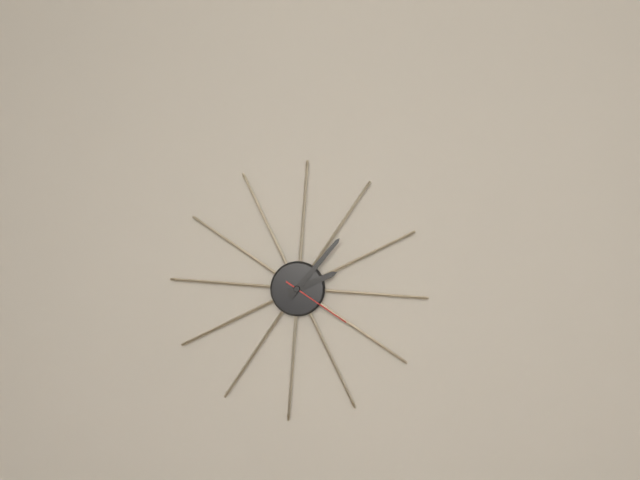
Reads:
2h06m20s
